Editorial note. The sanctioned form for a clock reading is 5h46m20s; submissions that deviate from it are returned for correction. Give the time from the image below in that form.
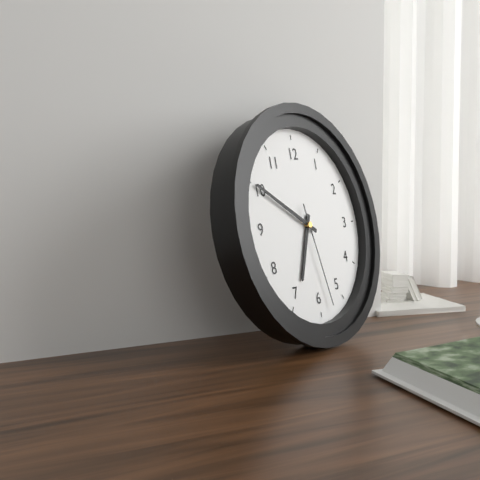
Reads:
6h50m28s
